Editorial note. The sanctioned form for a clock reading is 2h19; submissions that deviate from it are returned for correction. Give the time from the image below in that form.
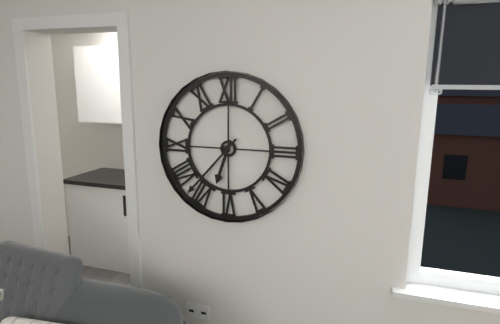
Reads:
6h37
